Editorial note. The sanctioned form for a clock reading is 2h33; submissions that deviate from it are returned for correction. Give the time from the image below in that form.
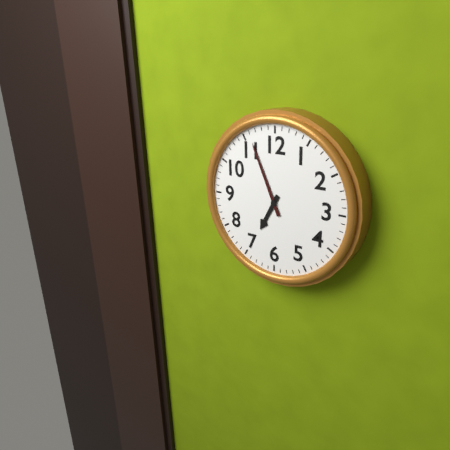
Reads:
6h56
